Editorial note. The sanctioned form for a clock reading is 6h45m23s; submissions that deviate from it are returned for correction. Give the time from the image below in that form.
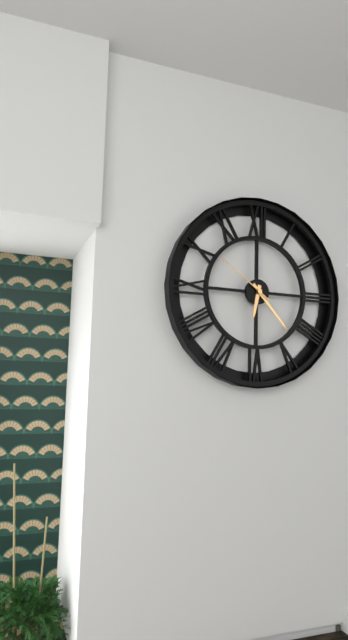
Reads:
6h23m51s
